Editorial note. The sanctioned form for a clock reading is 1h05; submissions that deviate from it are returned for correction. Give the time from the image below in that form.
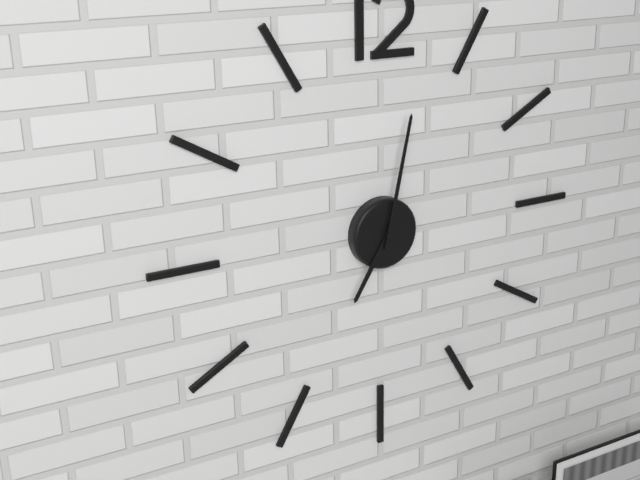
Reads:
7h02
